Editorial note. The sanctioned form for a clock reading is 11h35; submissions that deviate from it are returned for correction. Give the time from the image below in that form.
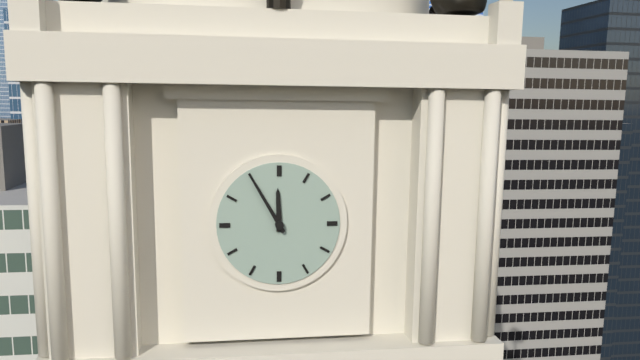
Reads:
11h55
